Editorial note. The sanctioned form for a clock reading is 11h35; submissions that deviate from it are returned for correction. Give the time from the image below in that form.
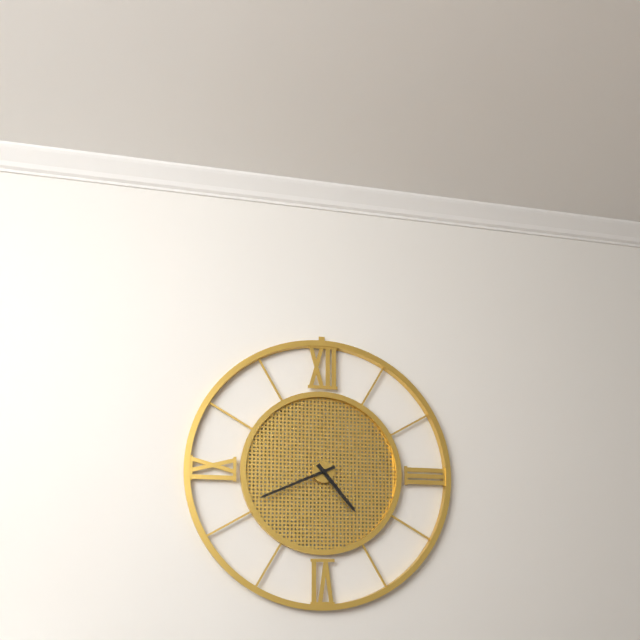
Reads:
4h41
